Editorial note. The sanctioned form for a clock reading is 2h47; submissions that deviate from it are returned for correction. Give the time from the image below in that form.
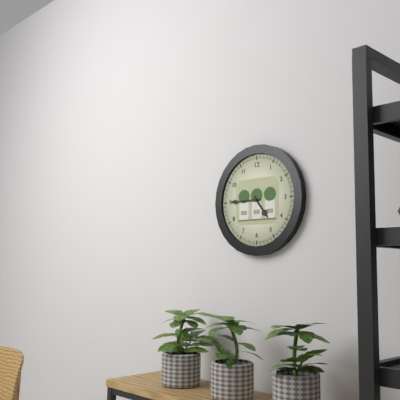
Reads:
4h45
